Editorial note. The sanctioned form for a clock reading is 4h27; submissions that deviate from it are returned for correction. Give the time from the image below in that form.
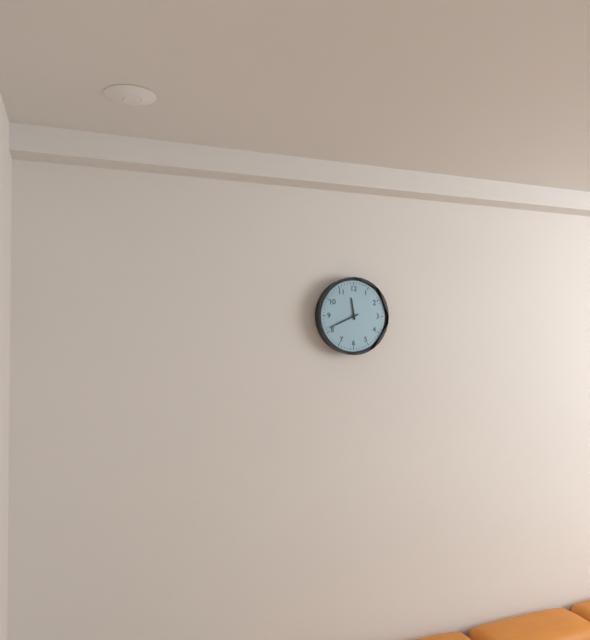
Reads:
11h41
